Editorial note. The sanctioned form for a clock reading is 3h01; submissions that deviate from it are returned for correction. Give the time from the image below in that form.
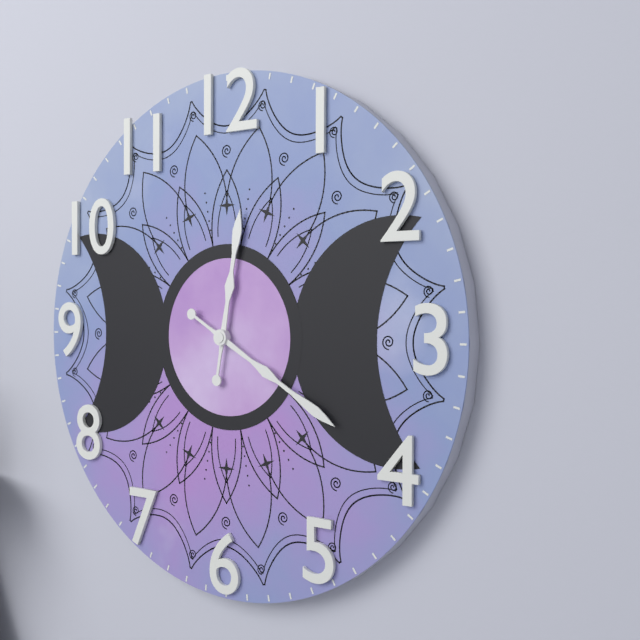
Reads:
12h20
